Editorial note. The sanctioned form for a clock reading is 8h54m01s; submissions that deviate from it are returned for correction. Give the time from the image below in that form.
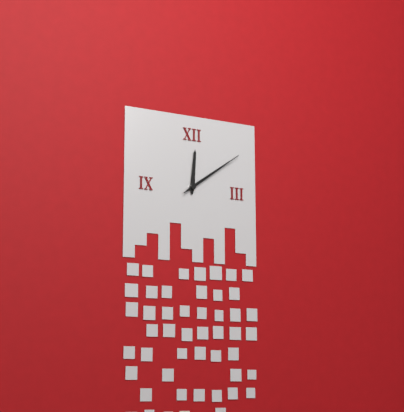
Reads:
12h09m09s
